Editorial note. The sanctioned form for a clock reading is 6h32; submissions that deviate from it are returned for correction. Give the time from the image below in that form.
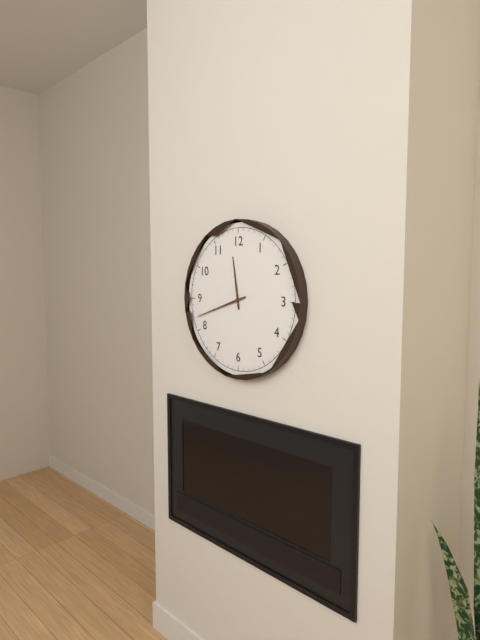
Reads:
11h42
